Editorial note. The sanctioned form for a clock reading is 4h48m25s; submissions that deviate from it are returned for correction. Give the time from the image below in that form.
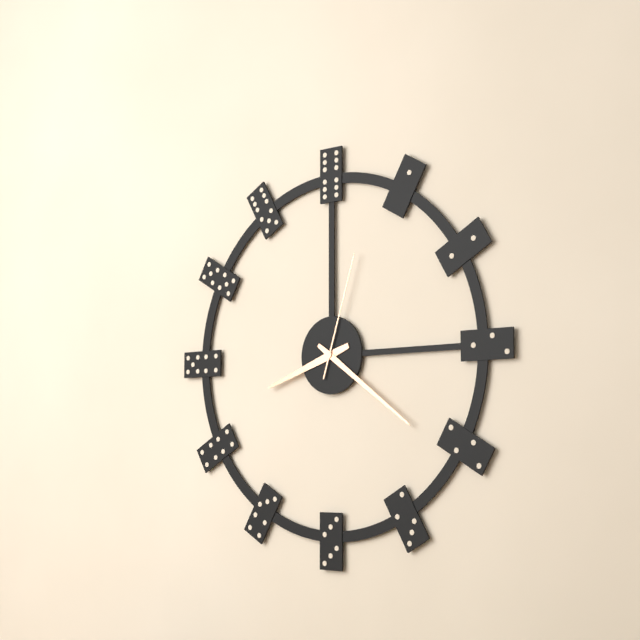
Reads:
8h21m03s
